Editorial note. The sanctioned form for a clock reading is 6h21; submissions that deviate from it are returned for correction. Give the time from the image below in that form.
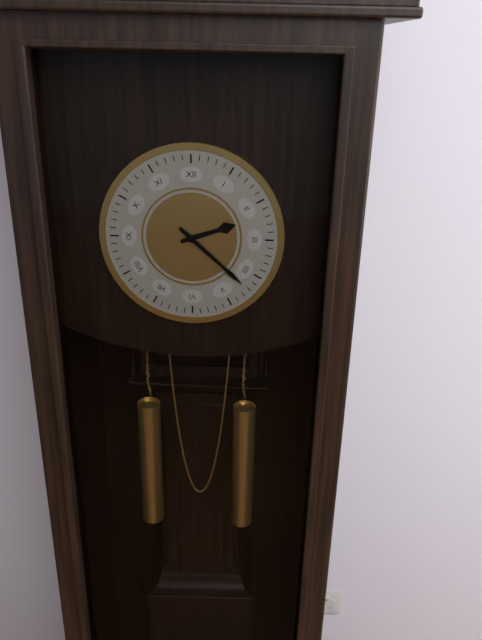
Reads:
2h22
